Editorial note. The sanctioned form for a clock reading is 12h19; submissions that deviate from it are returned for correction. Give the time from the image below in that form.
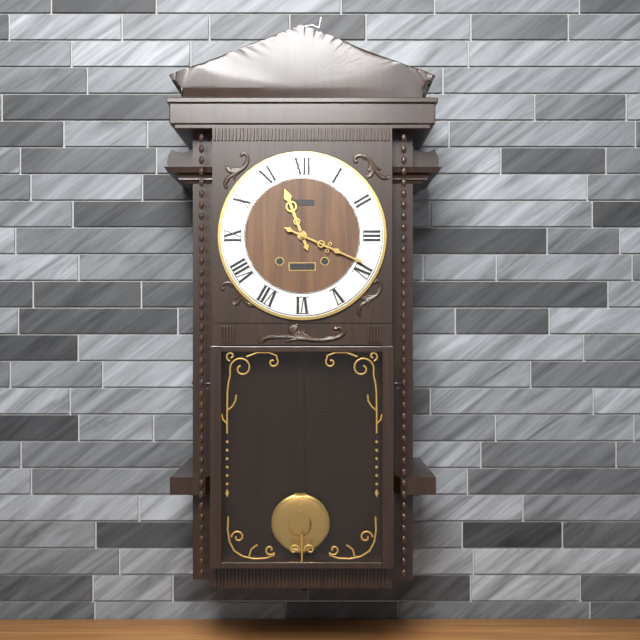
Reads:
11h19
